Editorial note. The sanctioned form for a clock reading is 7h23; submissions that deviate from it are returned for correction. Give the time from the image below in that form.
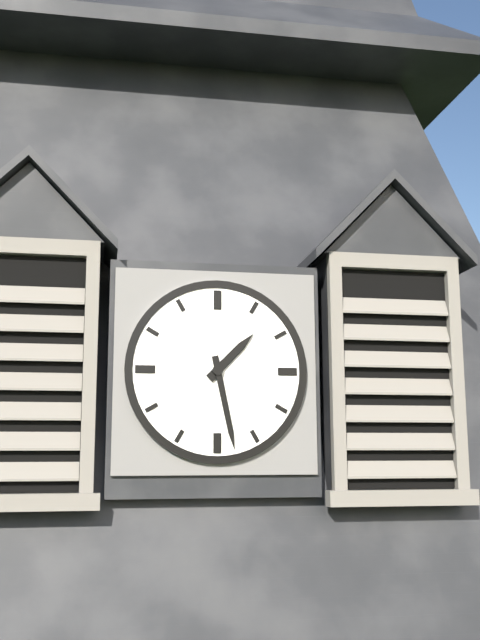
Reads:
1h28
